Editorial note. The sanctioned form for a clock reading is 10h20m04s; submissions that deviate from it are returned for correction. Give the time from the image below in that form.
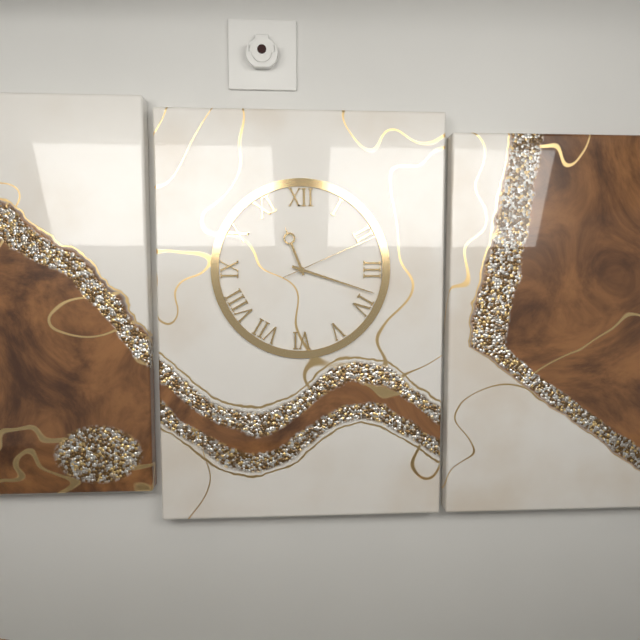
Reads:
11h18m11s
